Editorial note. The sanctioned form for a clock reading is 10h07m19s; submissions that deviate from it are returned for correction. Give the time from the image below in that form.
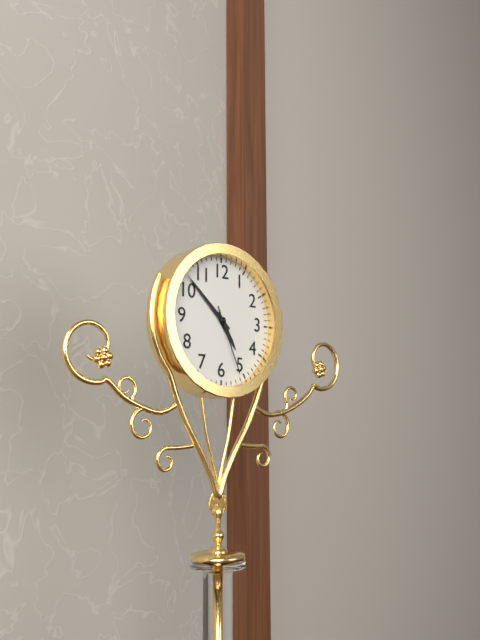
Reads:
4h52m26s
